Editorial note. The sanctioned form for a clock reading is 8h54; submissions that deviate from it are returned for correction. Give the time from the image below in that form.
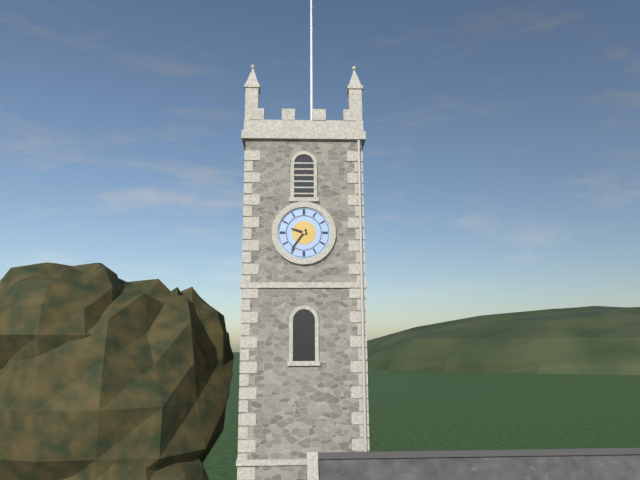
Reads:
9h36
